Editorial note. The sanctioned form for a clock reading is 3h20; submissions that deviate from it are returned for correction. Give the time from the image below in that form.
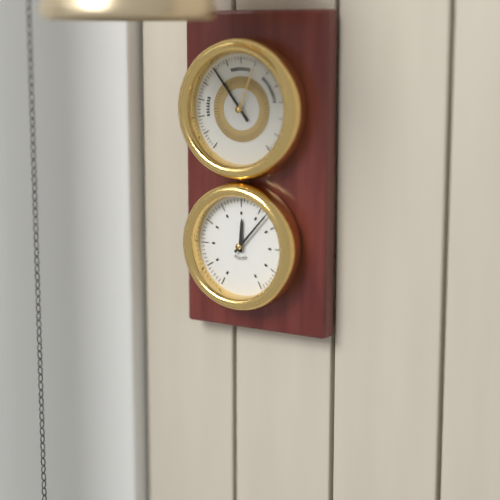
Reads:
12h07
